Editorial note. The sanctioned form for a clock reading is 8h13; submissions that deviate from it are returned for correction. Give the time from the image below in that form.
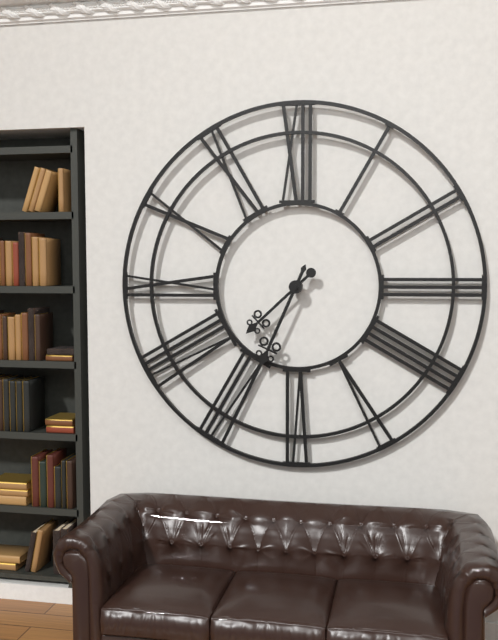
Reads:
7h34
